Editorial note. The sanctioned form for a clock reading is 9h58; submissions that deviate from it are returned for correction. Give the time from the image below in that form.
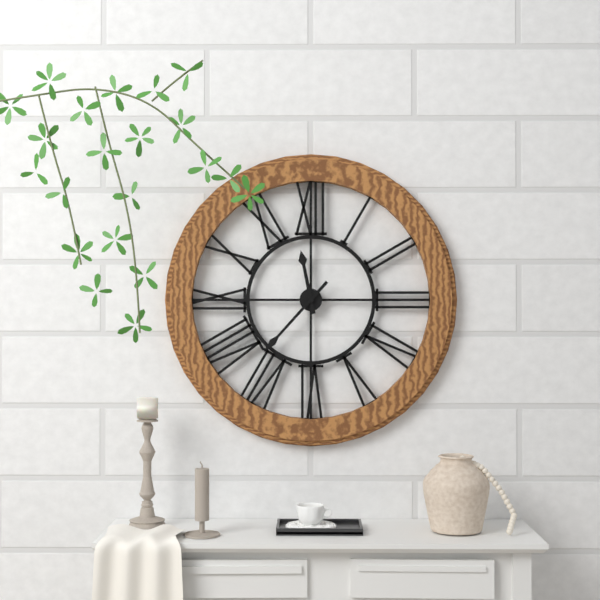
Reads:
11h37
